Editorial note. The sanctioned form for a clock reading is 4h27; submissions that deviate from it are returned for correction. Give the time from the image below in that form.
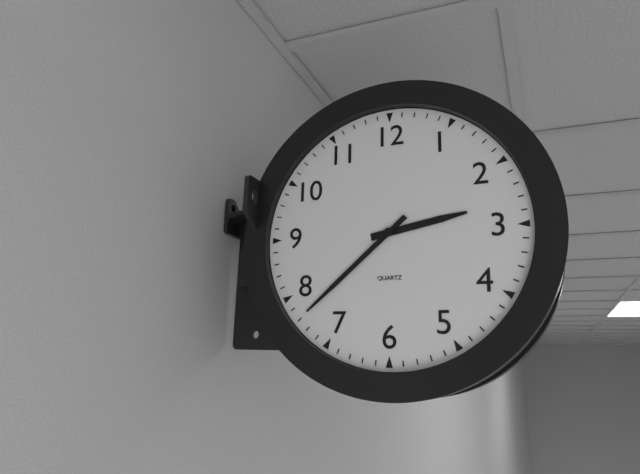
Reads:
2h38
